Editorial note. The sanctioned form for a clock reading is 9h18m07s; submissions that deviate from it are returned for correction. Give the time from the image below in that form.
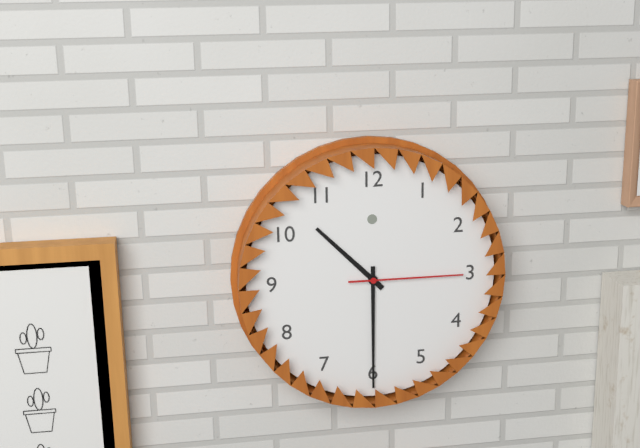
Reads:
10h30m15s
